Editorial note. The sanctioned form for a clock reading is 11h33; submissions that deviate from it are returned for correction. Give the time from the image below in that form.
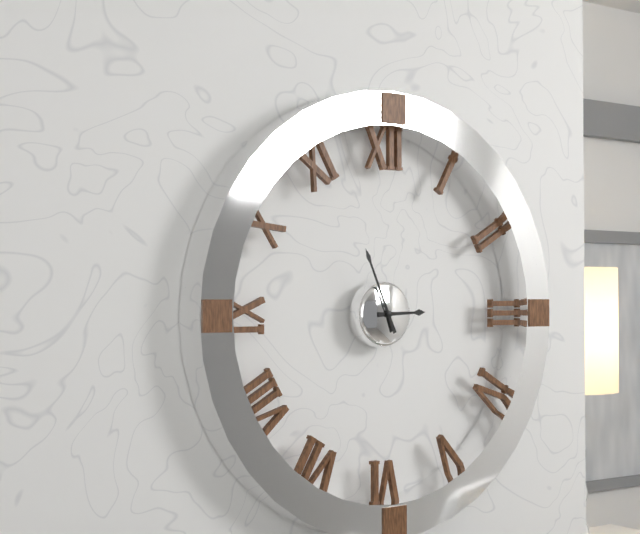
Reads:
2h56
